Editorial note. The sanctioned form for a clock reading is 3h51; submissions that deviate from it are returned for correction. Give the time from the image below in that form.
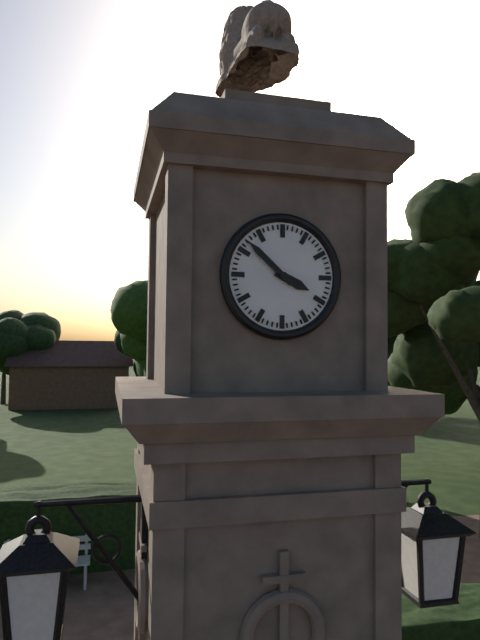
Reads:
3h52
